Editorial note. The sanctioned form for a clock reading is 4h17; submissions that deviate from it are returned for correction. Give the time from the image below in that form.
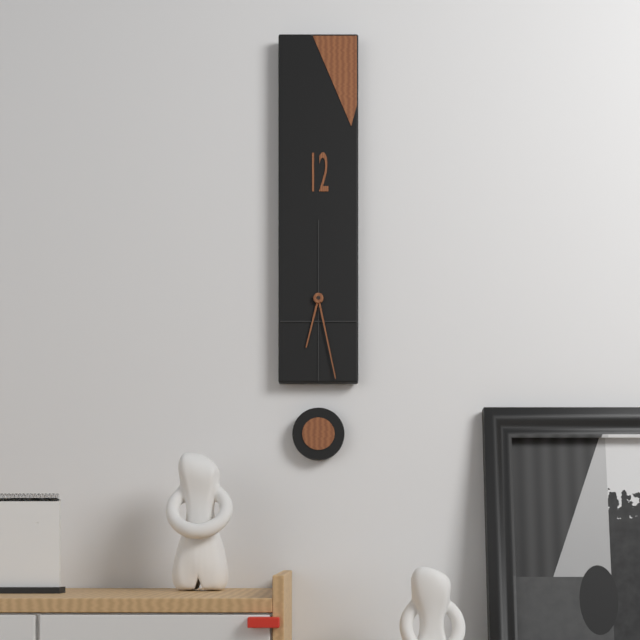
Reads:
6h28
